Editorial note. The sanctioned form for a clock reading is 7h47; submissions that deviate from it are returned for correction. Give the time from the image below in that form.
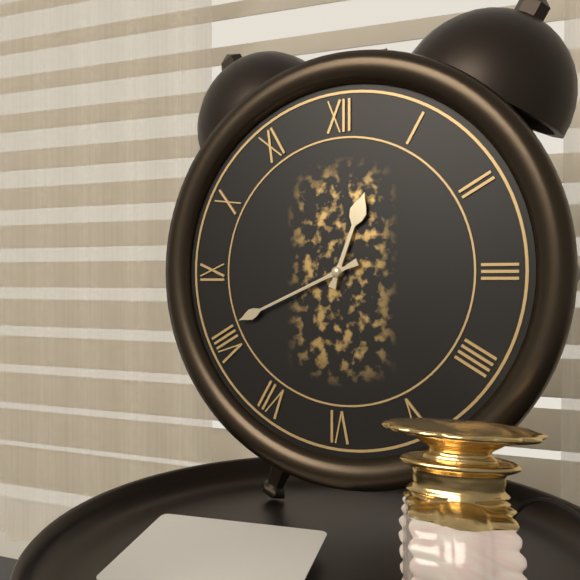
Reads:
12h41
